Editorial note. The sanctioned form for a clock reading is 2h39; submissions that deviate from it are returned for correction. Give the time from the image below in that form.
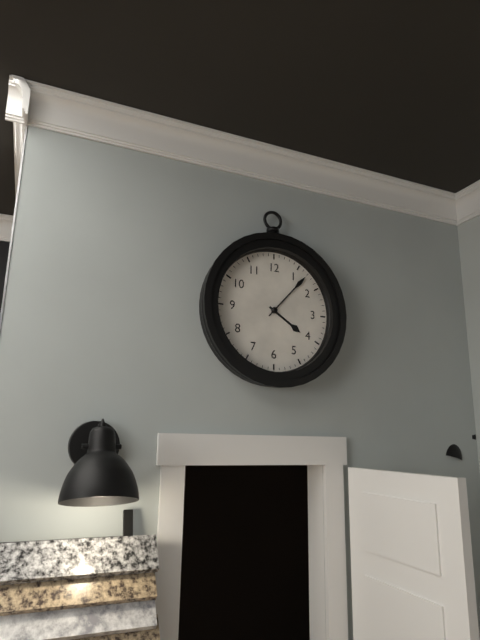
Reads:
4h07
